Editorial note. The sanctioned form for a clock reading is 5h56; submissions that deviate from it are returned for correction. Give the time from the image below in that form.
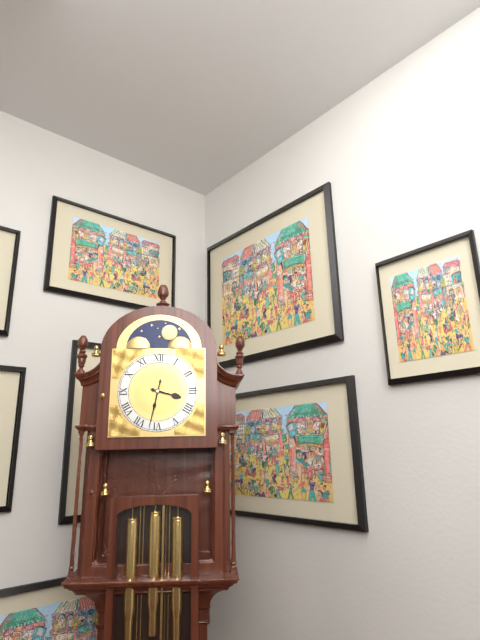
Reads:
3h32
